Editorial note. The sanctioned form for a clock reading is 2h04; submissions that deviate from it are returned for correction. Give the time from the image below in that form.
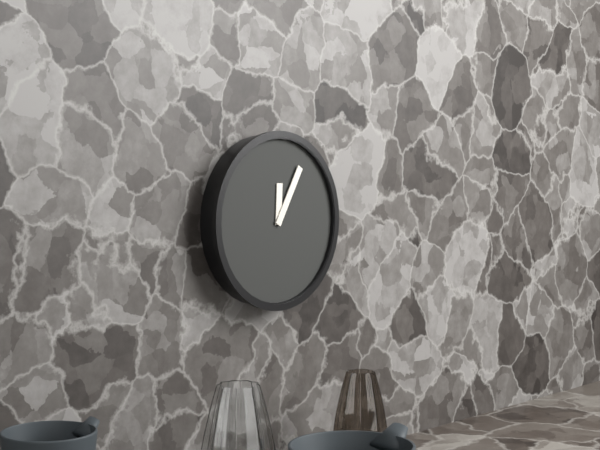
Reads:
12h05
